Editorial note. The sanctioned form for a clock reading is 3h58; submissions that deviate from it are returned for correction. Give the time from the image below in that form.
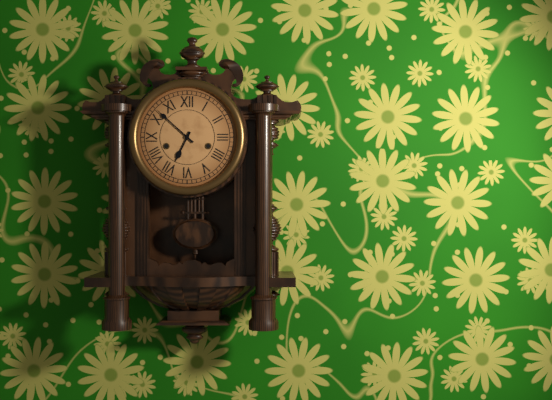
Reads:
6h52
